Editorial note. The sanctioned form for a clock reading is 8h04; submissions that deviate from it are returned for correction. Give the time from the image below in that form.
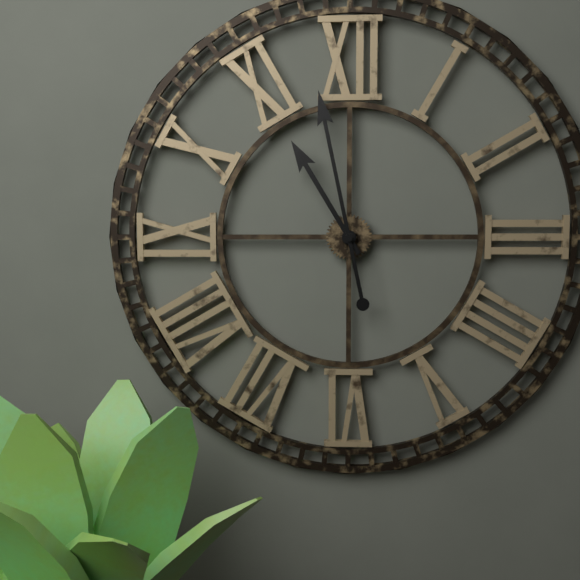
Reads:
10h58
